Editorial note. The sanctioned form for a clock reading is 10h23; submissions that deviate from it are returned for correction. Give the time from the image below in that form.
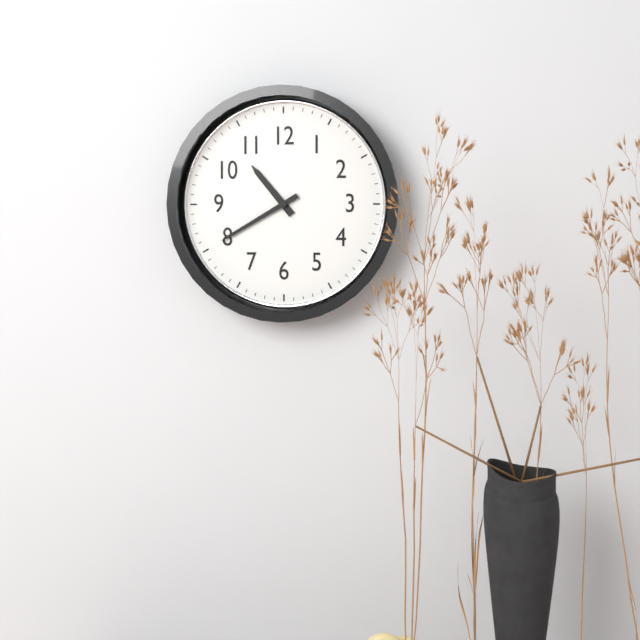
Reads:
10h40
